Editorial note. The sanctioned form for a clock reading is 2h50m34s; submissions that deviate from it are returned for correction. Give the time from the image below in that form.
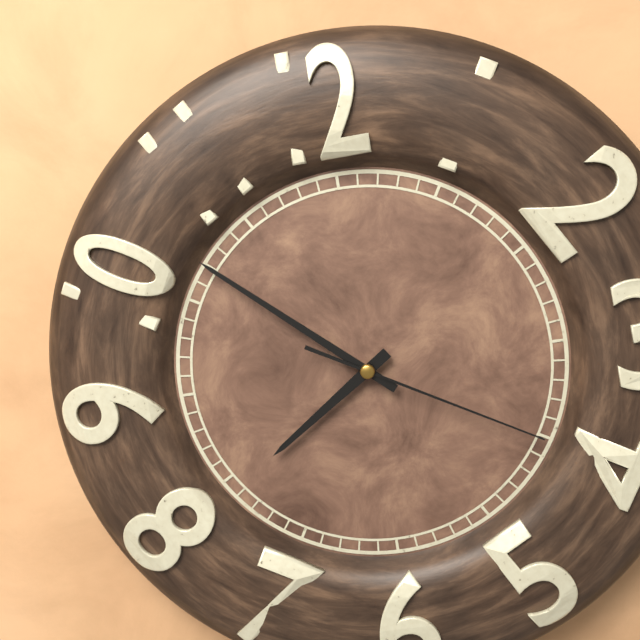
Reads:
7h52m20s
